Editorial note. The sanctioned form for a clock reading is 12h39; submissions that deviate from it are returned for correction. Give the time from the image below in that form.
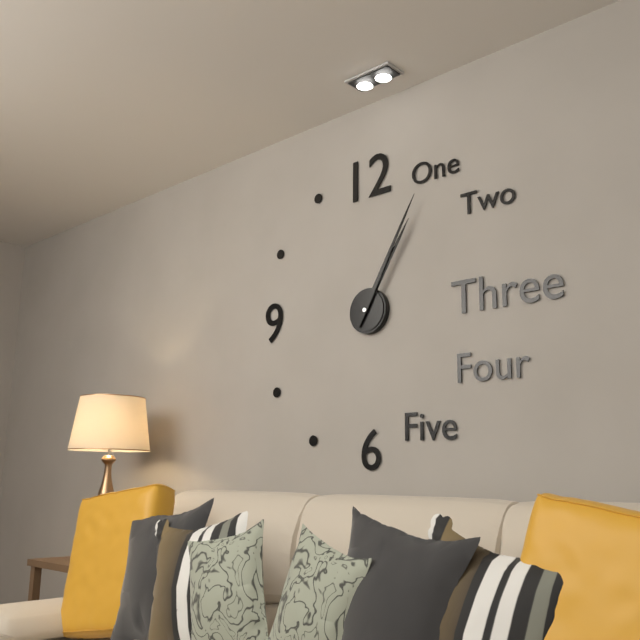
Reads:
1h05
